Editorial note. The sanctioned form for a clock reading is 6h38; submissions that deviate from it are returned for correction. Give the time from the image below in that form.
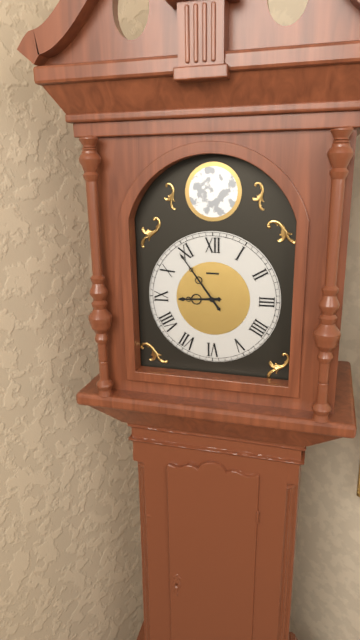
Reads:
8h54
